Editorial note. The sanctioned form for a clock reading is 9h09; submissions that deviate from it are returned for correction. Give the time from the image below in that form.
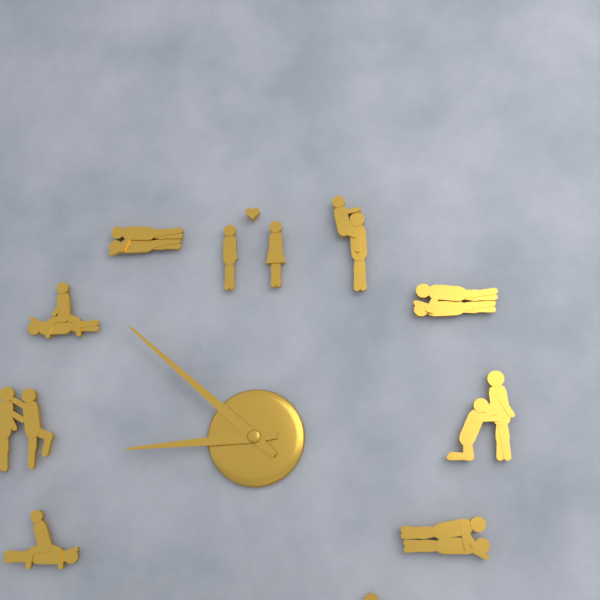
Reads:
8h52
